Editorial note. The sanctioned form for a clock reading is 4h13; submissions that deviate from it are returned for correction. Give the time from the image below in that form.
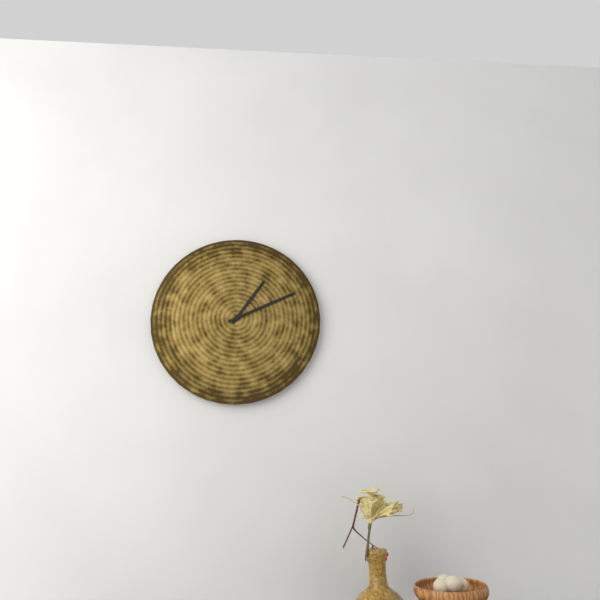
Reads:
1h11
